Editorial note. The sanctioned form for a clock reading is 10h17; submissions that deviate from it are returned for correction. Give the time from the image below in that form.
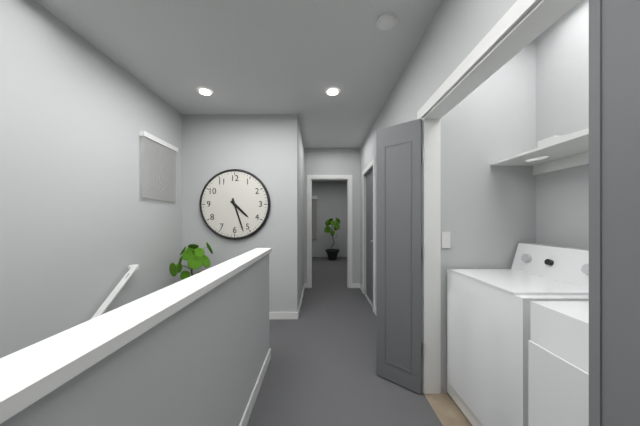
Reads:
4h27
